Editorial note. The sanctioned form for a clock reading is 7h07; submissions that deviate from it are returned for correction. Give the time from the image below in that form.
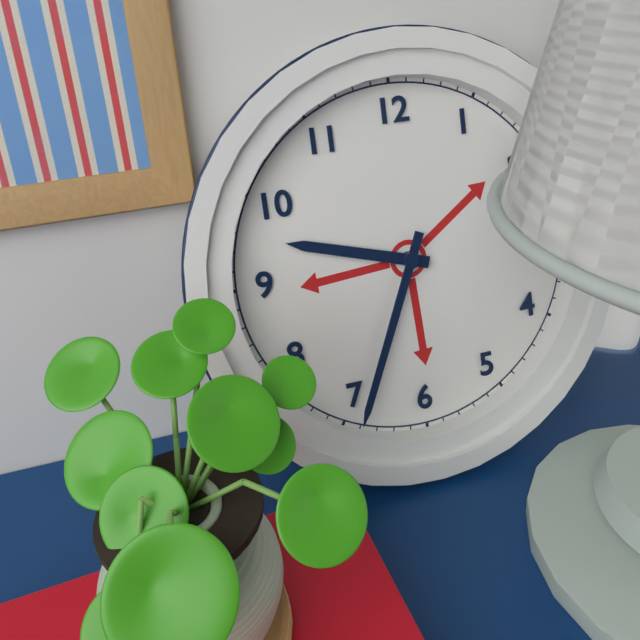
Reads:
9h34
